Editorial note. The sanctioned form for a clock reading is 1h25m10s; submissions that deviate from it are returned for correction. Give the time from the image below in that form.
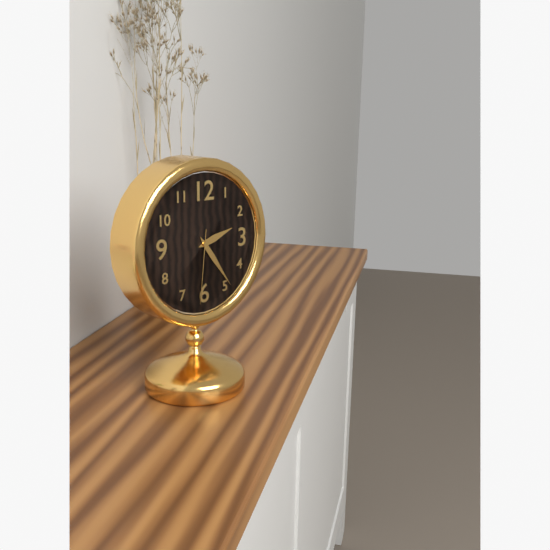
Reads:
2h24m31s
